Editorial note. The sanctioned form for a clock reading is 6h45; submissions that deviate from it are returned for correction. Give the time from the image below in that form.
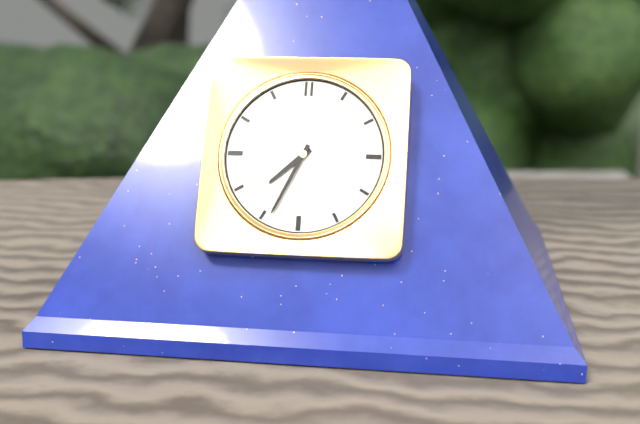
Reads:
7h34
